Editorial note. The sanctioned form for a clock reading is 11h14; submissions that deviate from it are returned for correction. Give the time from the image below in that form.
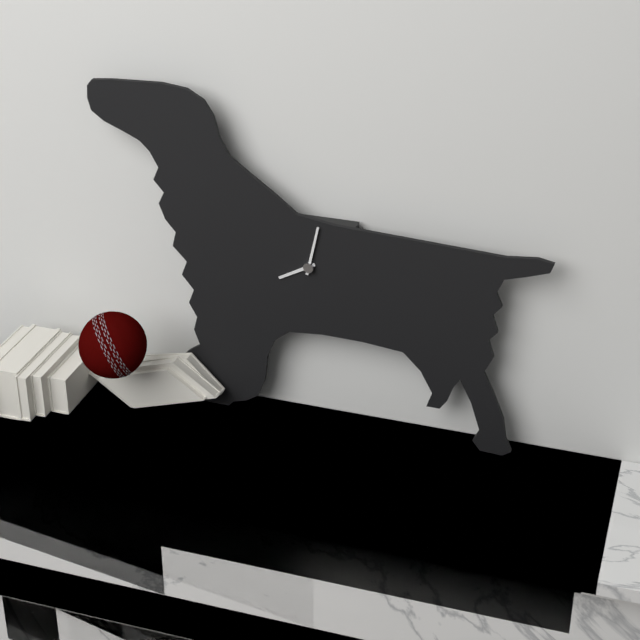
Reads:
8h02
